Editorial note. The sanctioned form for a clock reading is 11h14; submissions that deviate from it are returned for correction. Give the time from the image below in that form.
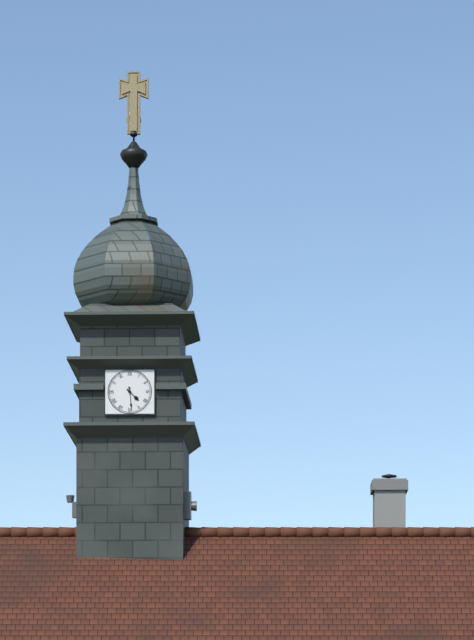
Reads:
4h29
